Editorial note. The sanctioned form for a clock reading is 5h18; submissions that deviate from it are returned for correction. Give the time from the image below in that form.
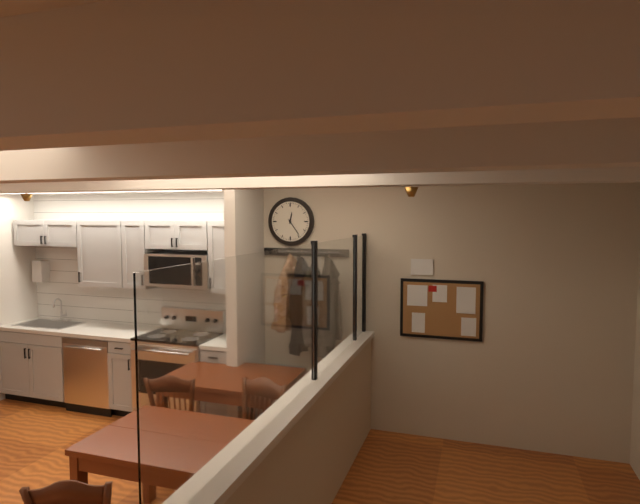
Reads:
12h24
